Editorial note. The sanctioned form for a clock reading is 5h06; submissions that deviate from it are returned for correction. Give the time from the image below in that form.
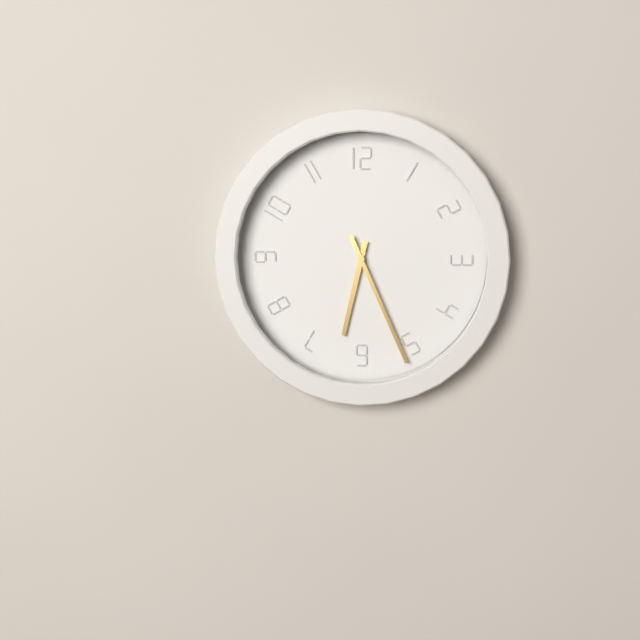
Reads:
6h26
